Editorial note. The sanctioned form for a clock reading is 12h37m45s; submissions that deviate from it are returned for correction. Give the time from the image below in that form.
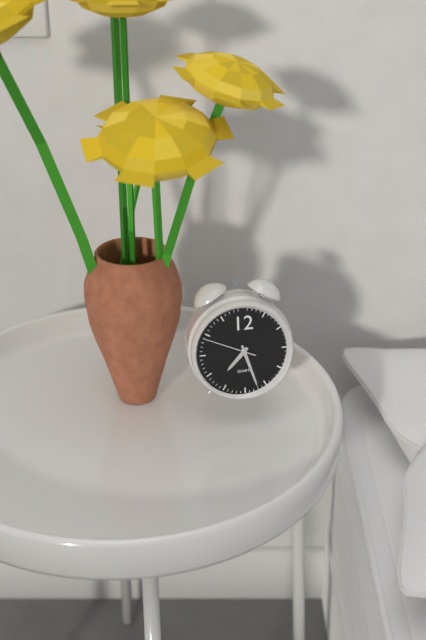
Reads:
7h27m49s
